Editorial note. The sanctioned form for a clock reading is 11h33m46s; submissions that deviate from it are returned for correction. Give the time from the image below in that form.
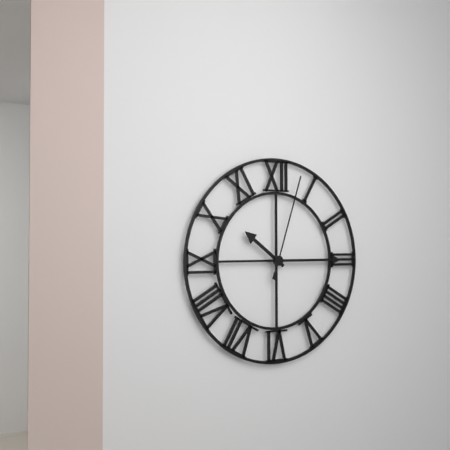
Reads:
10h15m03s
